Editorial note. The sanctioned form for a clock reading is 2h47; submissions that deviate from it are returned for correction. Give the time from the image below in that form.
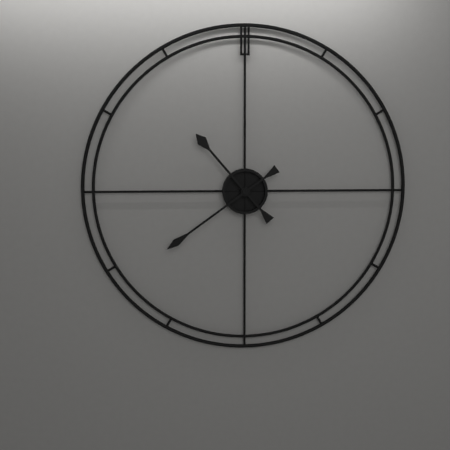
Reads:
10h39
